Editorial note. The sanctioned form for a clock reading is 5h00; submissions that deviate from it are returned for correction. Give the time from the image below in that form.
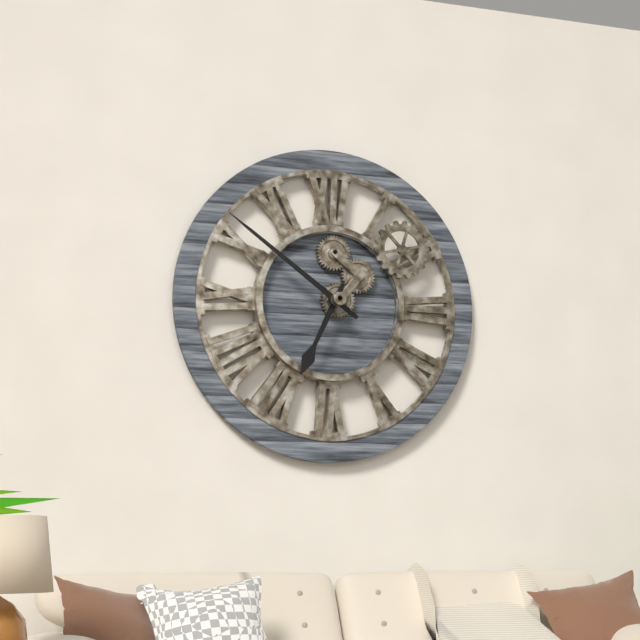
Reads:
6h51
